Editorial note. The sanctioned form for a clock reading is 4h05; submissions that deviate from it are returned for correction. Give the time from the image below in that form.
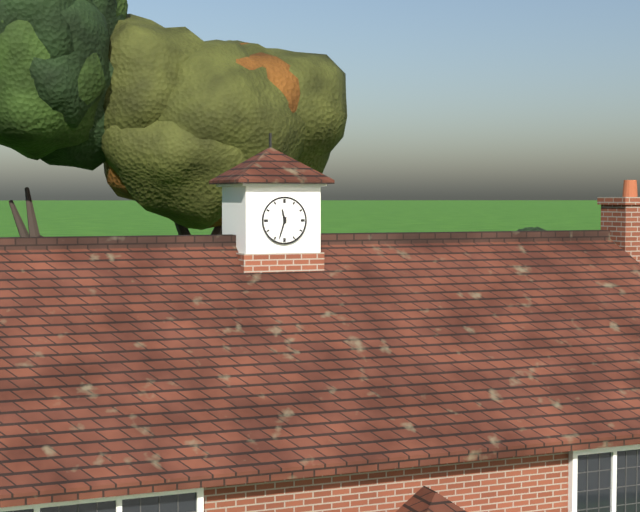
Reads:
11h33
